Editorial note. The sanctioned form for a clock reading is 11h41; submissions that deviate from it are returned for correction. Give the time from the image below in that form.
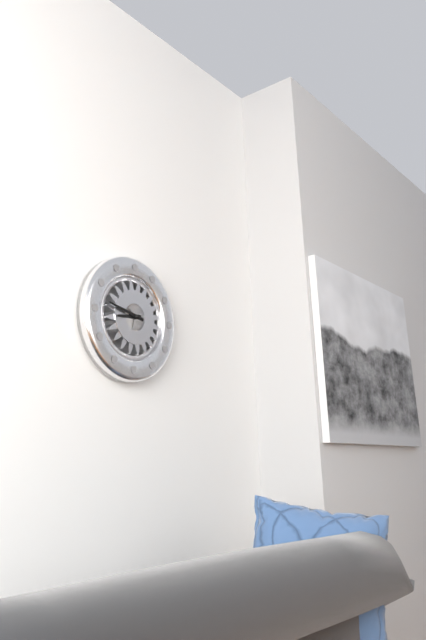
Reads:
8h47
